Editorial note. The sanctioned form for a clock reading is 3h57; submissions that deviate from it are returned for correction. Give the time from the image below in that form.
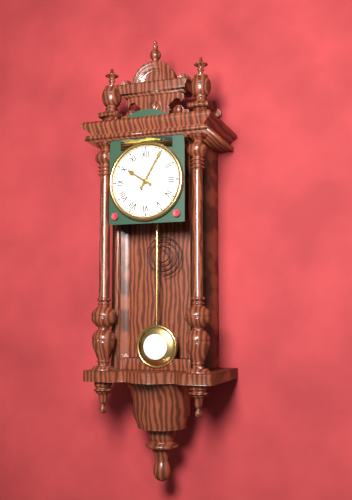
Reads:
10h05
